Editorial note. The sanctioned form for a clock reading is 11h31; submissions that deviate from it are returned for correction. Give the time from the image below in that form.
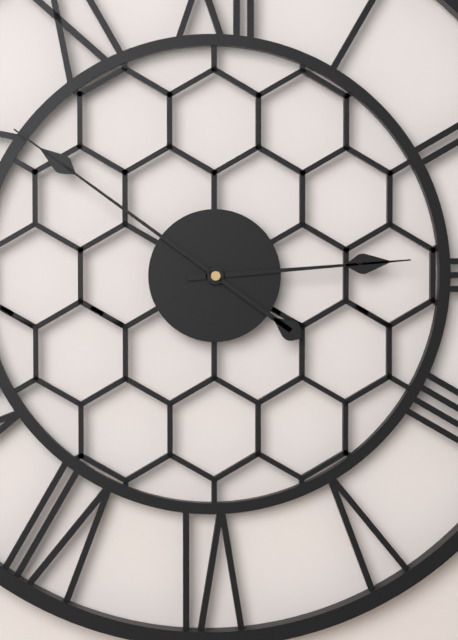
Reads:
2h51
